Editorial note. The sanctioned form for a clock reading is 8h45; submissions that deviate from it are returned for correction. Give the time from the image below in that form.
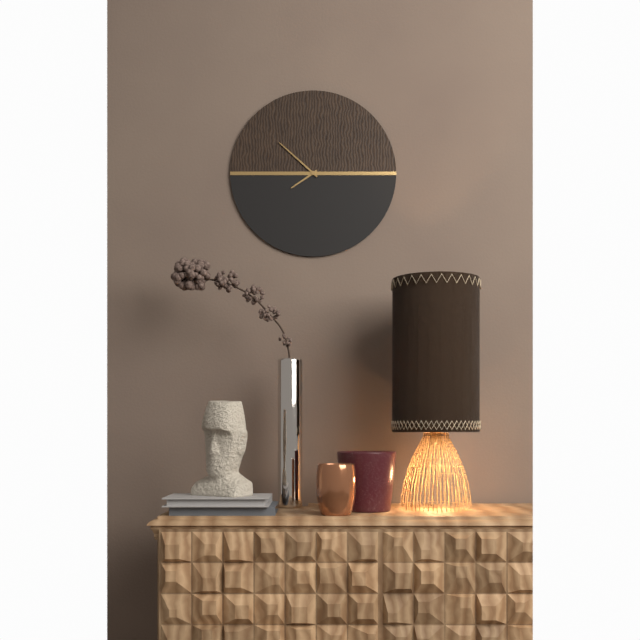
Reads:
7h52
